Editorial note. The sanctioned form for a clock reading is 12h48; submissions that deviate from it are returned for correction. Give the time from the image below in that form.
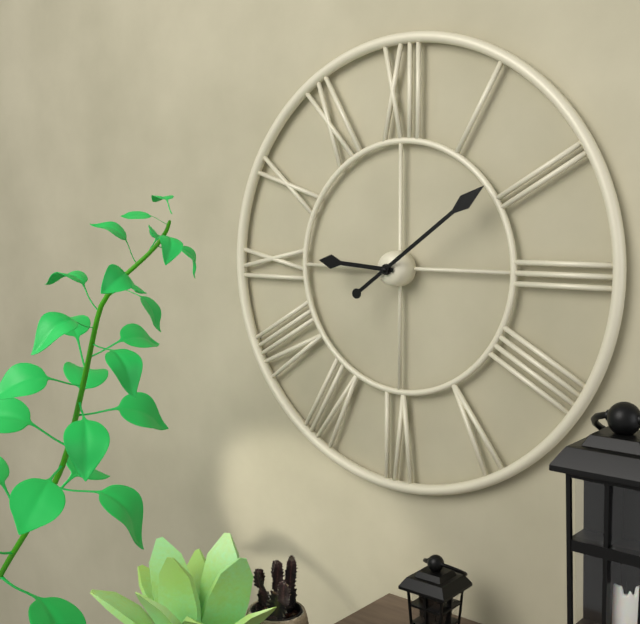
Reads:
9h09
